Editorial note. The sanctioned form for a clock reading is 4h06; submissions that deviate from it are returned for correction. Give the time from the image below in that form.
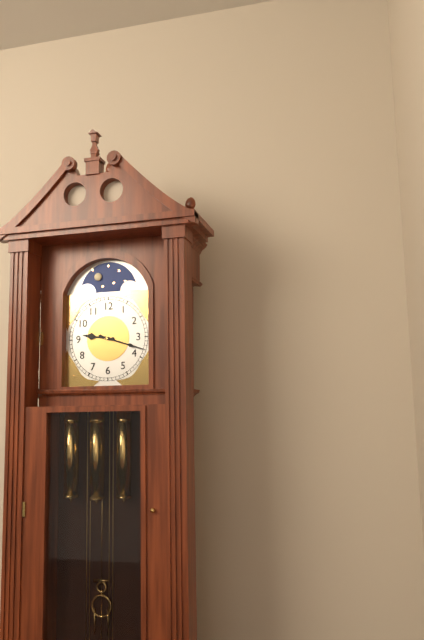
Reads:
9h18
